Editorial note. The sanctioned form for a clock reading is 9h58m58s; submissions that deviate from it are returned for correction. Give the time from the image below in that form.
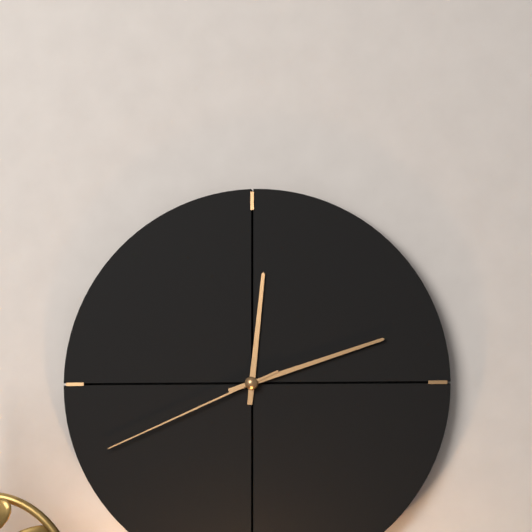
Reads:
12h12m41s
